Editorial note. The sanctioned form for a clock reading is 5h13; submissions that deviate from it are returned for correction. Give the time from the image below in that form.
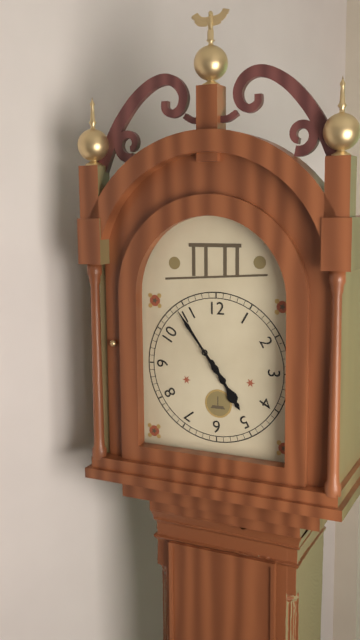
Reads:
4h54
